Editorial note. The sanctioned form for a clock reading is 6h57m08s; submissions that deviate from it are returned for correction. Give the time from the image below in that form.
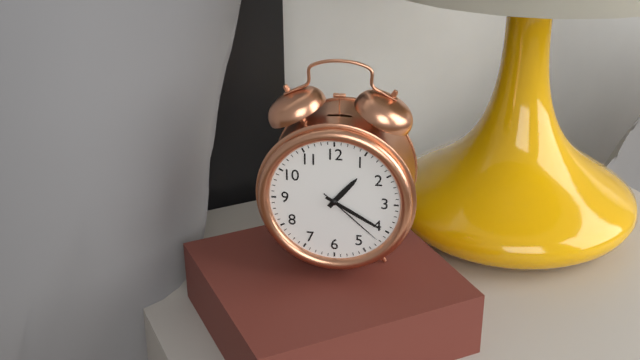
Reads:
1h20m22s
